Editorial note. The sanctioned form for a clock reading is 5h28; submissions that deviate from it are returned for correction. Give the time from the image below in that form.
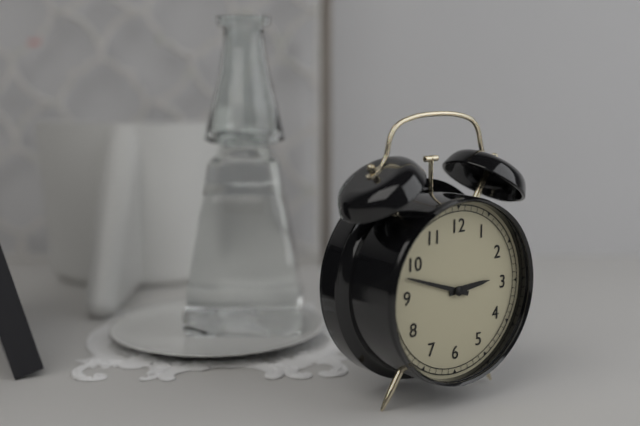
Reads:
2h48
